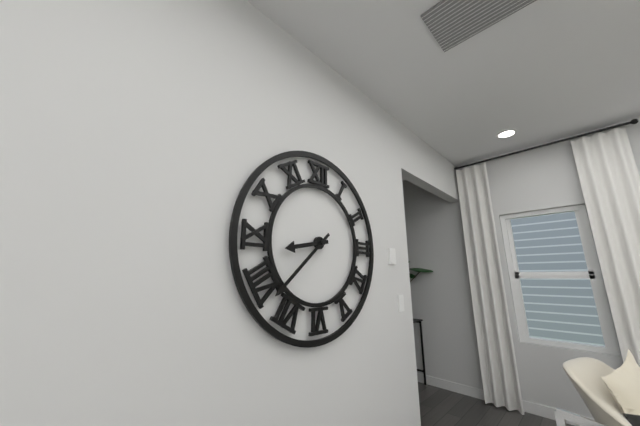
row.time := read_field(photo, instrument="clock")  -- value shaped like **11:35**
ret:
**8:38**
